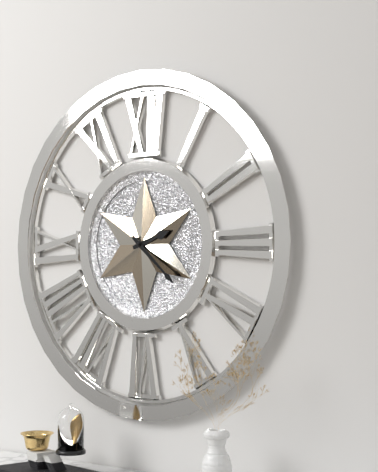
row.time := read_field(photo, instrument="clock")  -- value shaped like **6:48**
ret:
**2:22**
